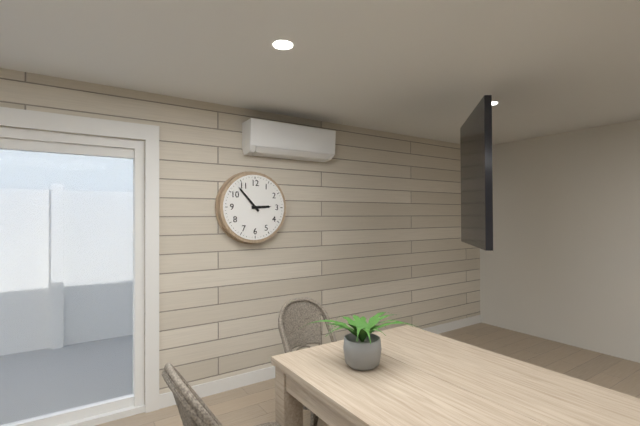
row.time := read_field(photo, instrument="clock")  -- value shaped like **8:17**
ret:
**2:53**
